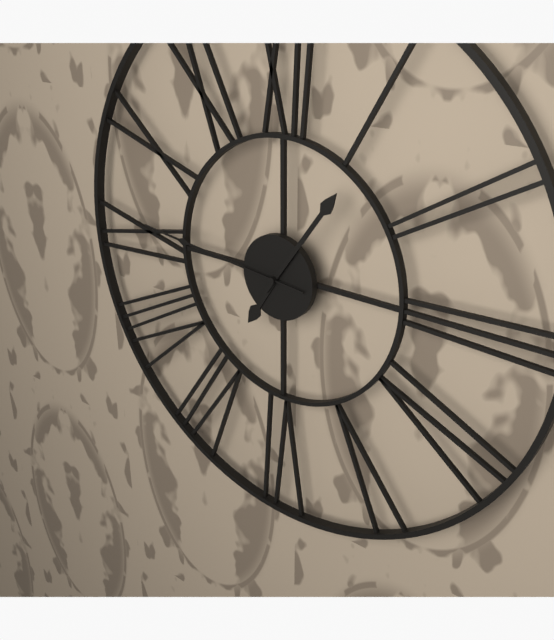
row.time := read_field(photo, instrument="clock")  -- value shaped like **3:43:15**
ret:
**7:06:46**
